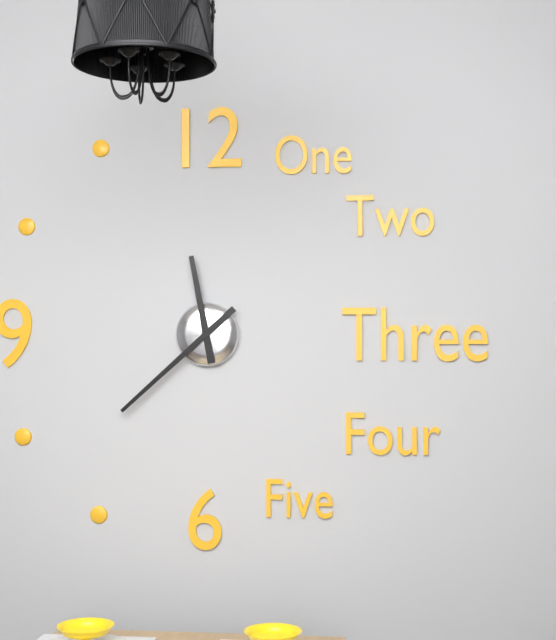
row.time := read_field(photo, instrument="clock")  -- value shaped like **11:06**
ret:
**11:38**
